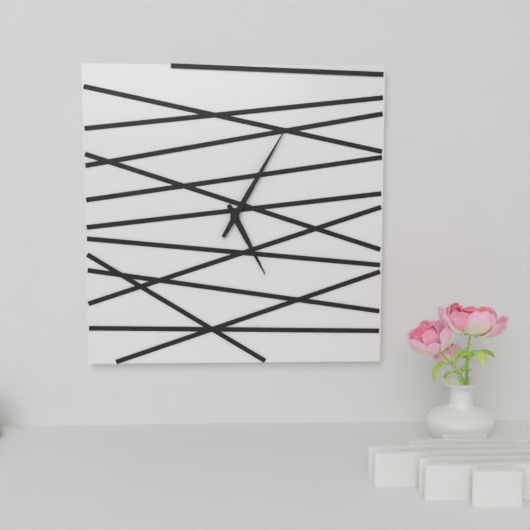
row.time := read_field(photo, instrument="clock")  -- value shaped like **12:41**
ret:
**5:05**
